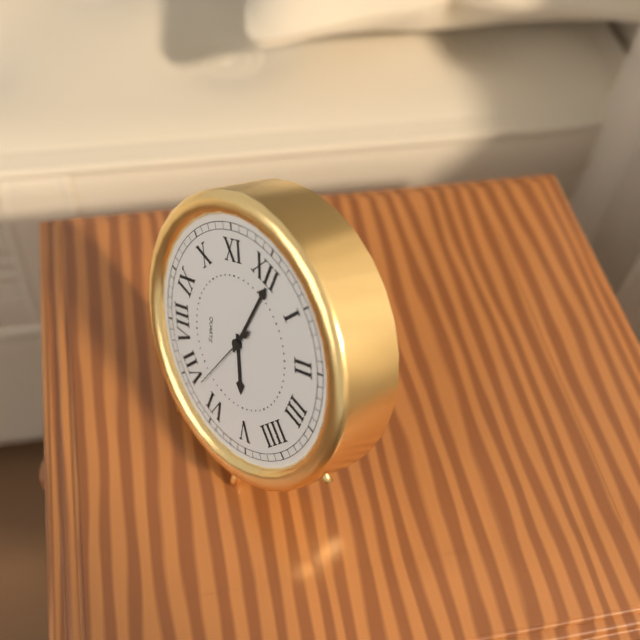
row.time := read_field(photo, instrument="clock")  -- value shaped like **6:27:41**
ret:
**5:01:33**
